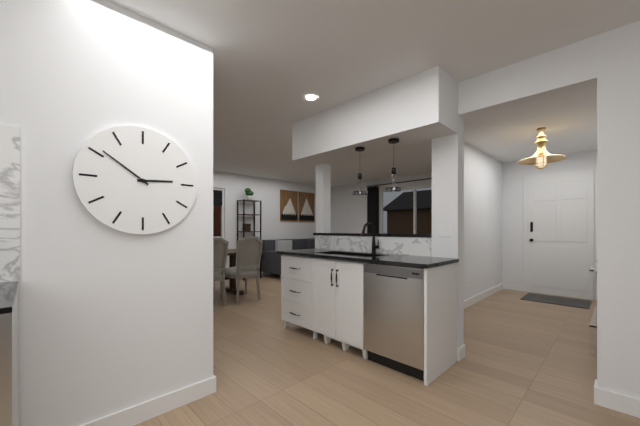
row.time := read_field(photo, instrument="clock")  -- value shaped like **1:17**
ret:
**2:51**
